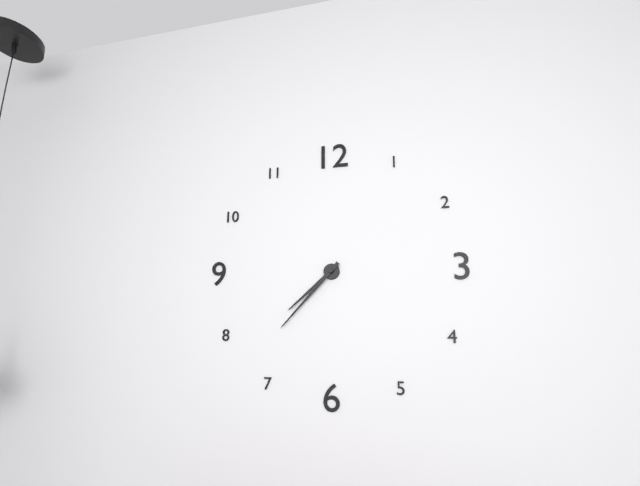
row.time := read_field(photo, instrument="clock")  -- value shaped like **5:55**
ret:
**7:37**
